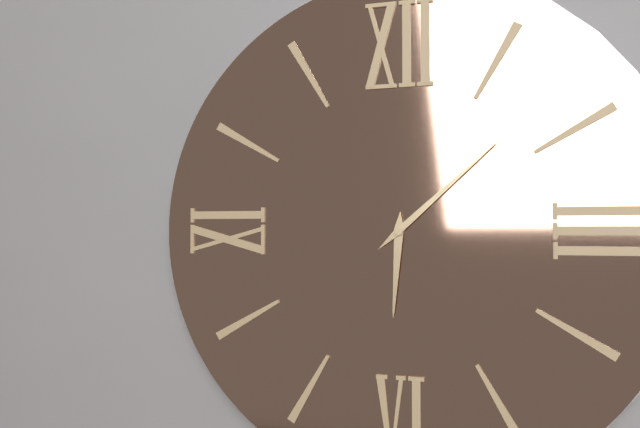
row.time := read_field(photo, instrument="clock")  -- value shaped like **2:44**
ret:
**6:08**
